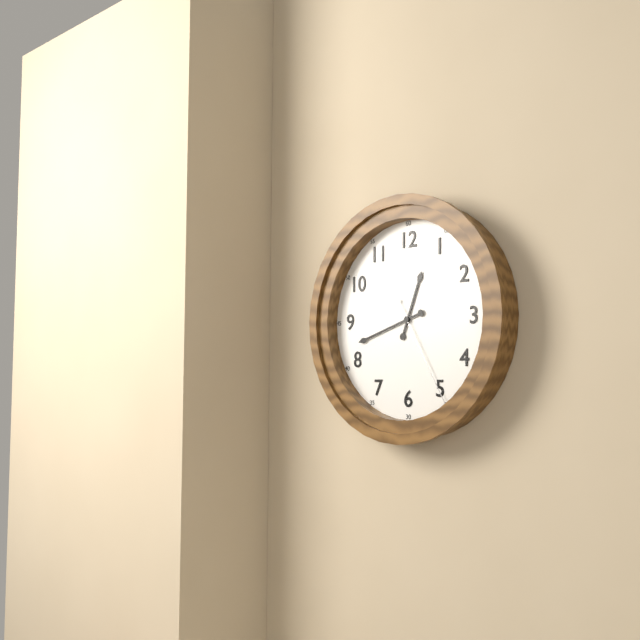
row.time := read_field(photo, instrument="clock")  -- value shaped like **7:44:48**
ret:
**12:42:25**
